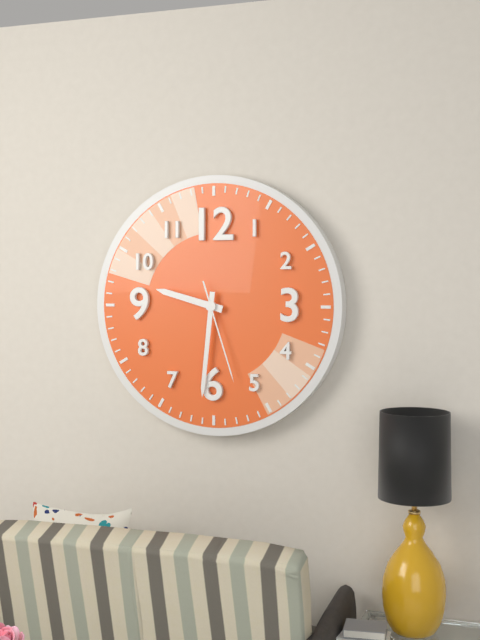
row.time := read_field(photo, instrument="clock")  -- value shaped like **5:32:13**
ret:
**9:31:27**
